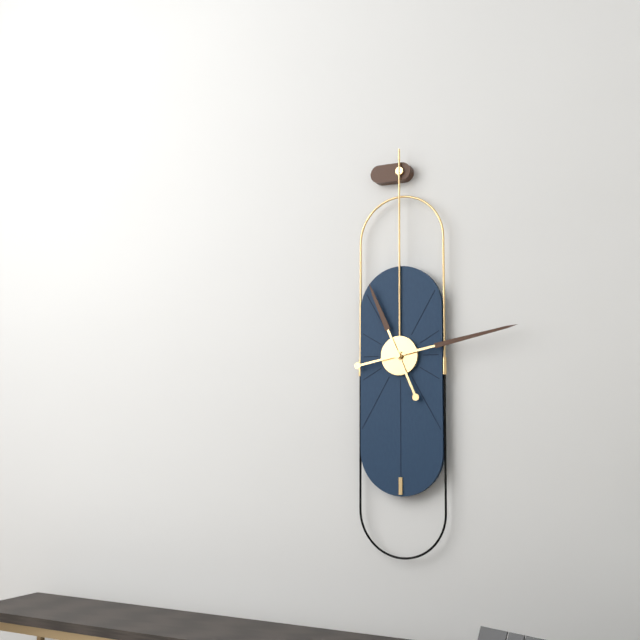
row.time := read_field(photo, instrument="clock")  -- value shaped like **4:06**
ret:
**11:13**
